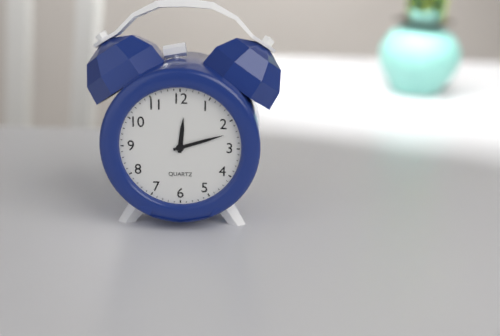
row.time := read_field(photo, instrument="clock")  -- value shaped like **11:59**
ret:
**12:12**
